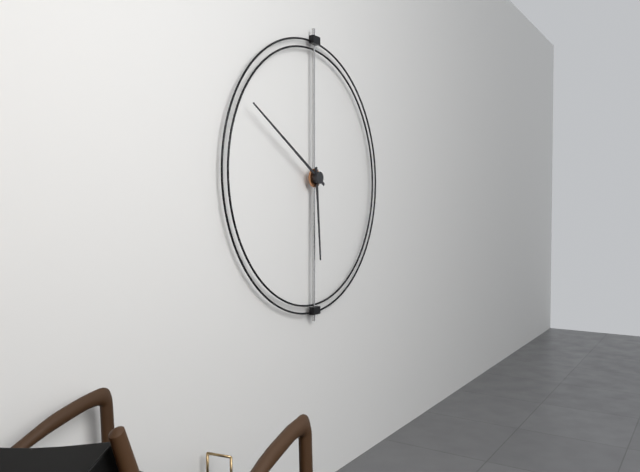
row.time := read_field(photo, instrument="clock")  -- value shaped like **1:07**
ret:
**5:50**
